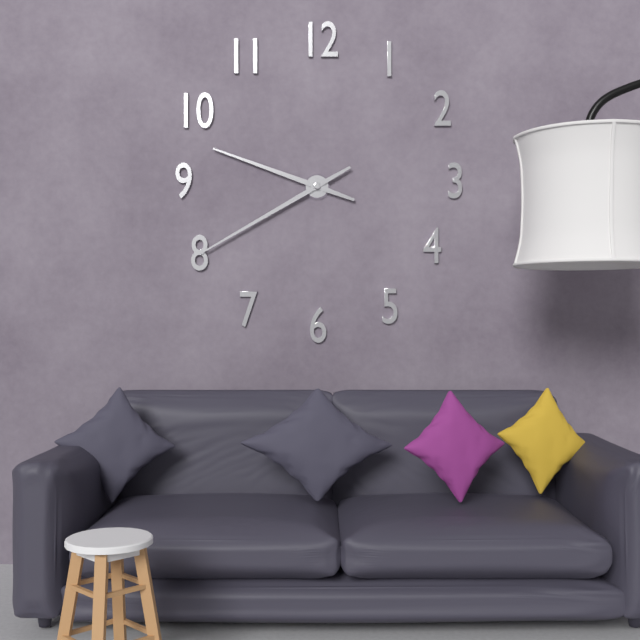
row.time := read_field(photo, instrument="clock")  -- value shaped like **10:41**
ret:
**9:40**
